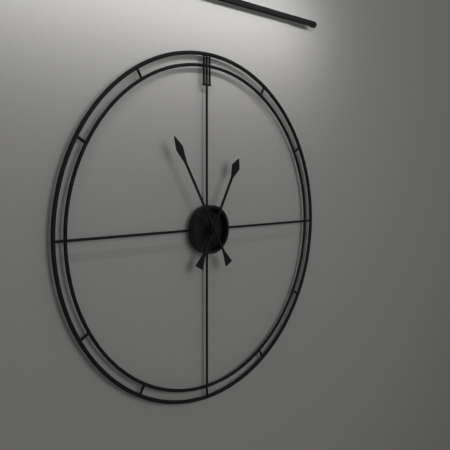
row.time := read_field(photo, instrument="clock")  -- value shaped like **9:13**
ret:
**12:55**
